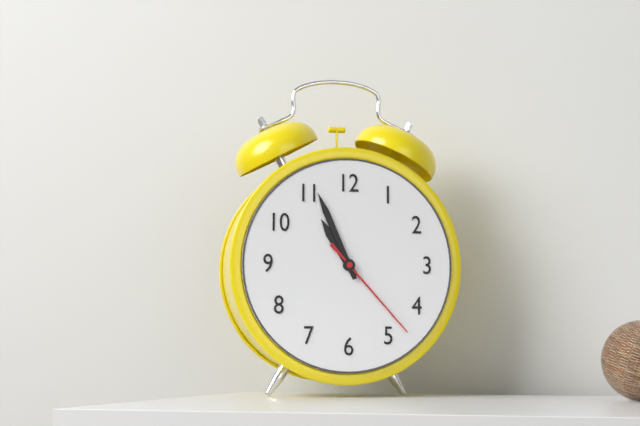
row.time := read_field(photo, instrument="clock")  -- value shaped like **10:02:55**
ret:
**10:56:23**
